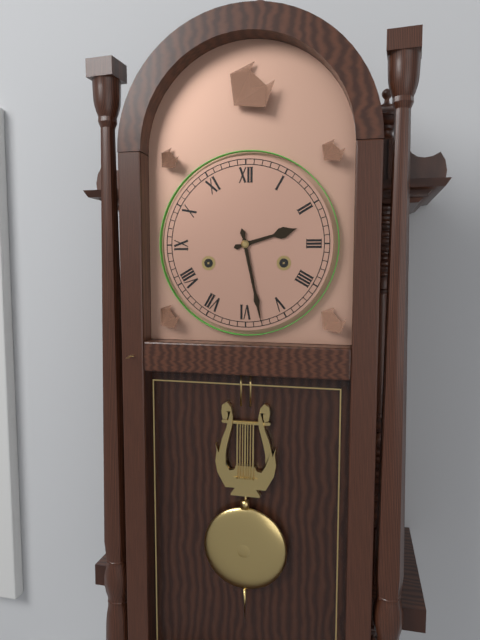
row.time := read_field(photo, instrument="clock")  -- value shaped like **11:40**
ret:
**2:28**
